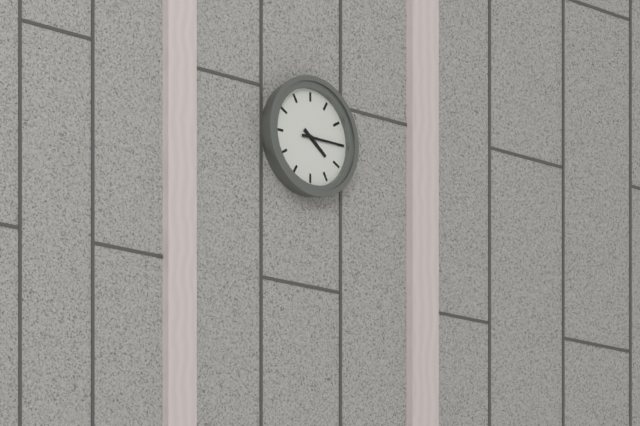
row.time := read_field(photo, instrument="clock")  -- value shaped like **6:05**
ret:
**4:15**
